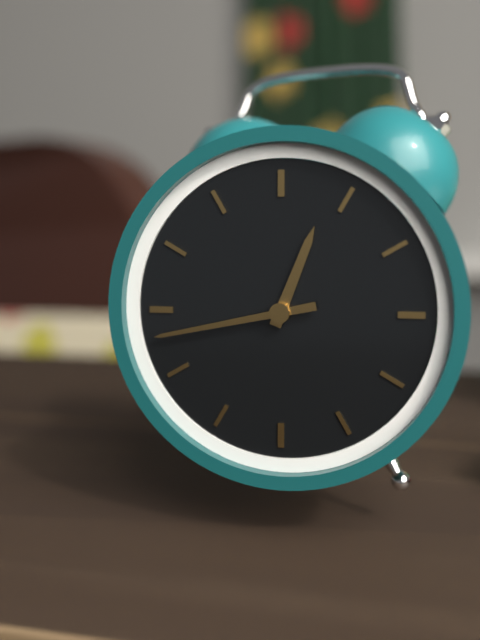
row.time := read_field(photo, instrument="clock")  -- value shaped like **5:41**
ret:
**12:43**
